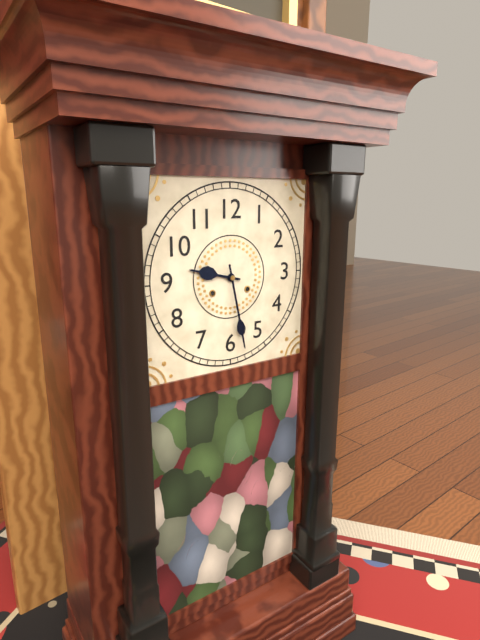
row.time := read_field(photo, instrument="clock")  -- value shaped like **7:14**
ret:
**9:28**
